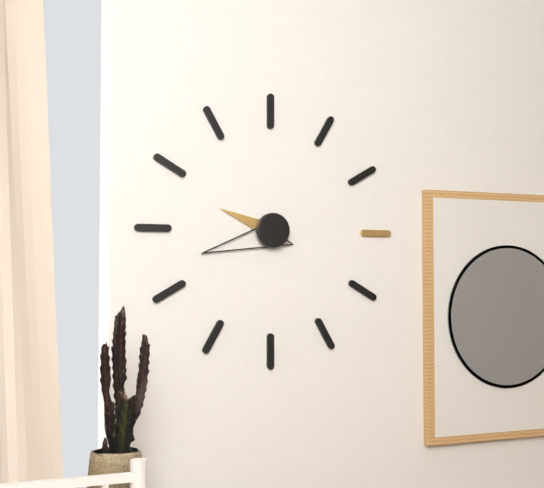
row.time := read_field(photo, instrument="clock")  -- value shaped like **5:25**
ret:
**9:42**
